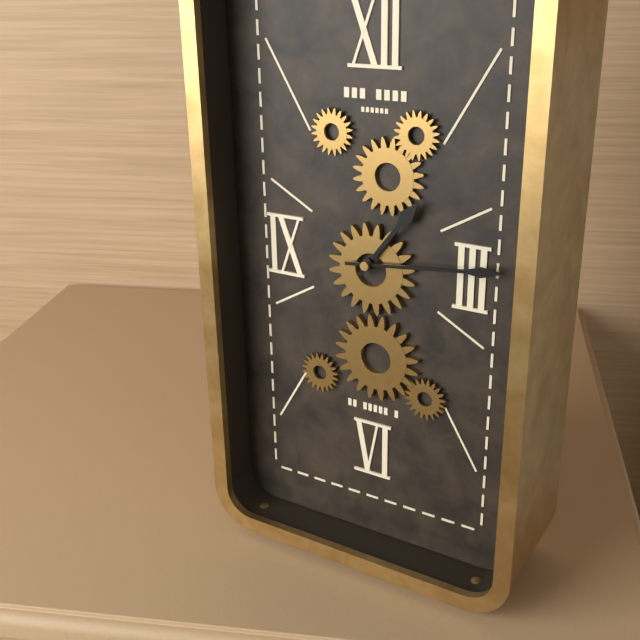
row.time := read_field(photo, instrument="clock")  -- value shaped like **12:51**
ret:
**1:14**
